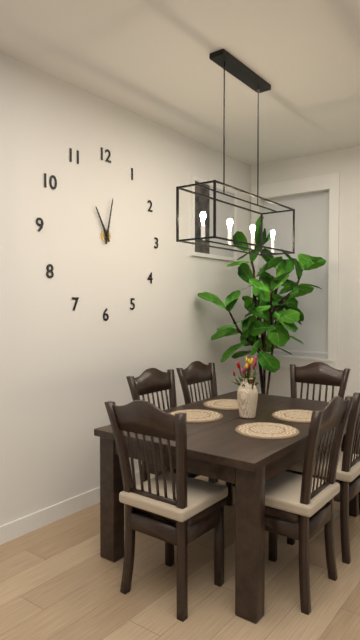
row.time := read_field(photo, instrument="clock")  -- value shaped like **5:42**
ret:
**11:02**
